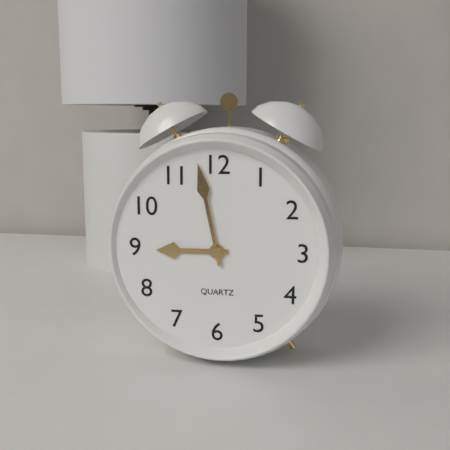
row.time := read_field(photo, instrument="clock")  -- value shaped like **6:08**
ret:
**8:58**
